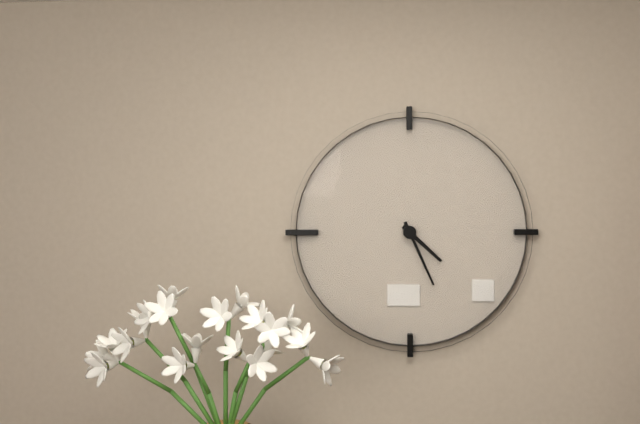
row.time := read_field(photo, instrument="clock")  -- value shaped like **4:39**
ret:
**4:26**
